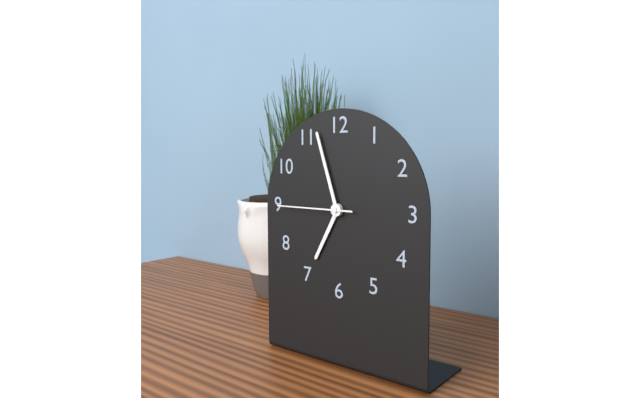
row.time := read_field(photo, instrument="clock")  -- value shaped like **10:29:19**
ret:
**6:57:45**
